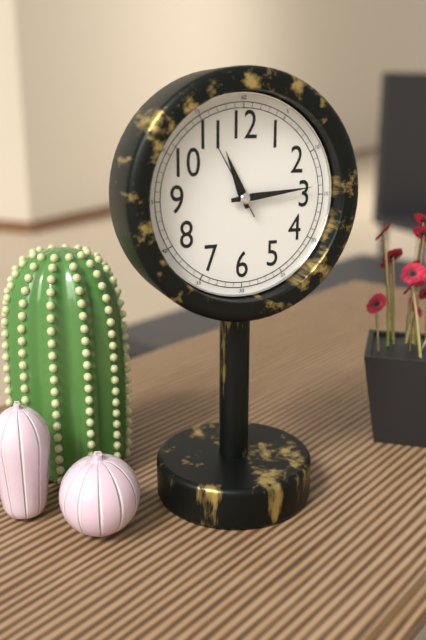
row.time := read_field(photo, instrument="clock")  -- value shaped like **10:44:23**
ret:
**11:14:55**
